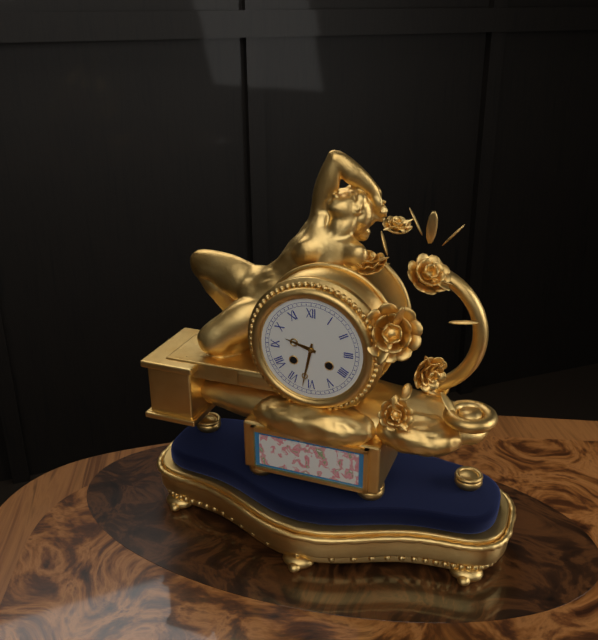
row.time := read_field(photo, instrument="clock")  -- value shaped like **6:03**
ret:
**9:32**
